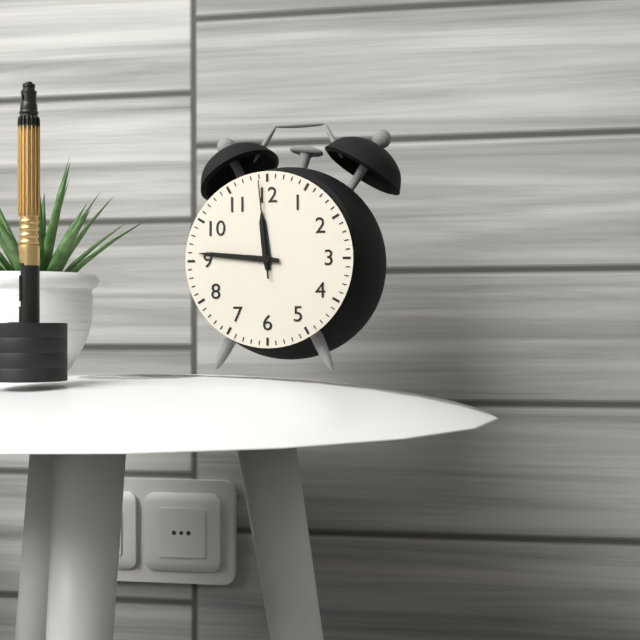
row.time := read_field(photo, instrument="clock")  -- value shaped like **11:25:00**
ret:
**11:46:59**
